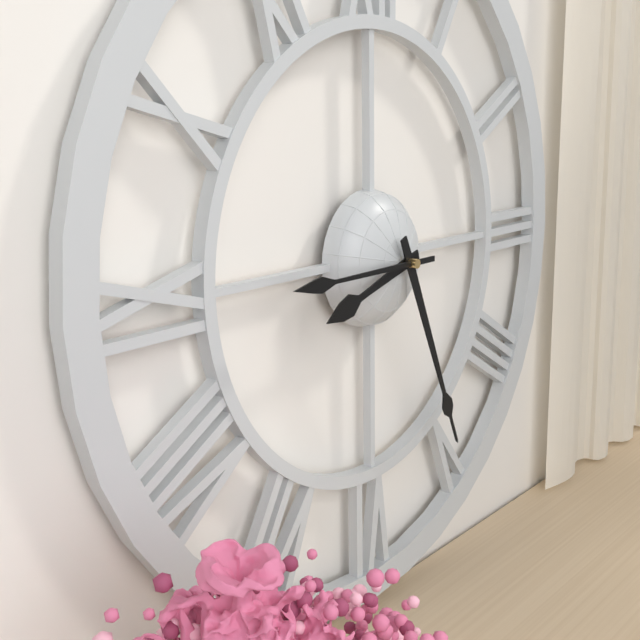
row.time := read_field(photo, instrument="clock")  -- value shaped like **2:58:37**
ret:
**8:26:45**
